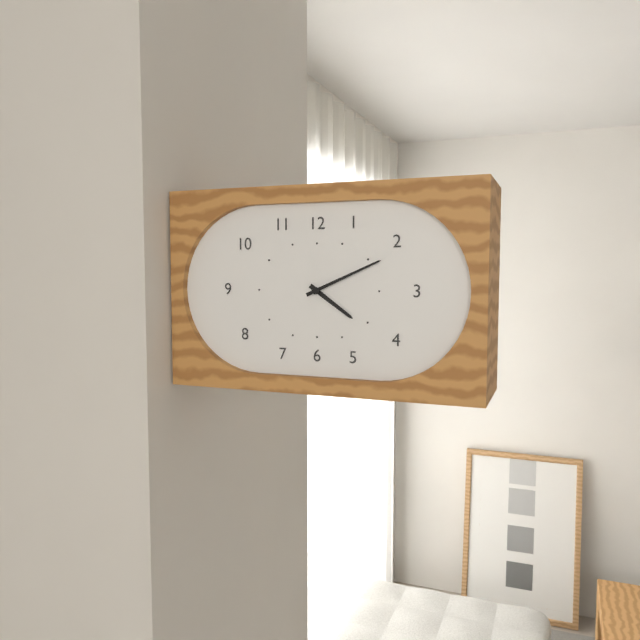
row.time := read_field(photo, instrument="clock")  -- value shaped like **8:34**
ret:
**4:11**
